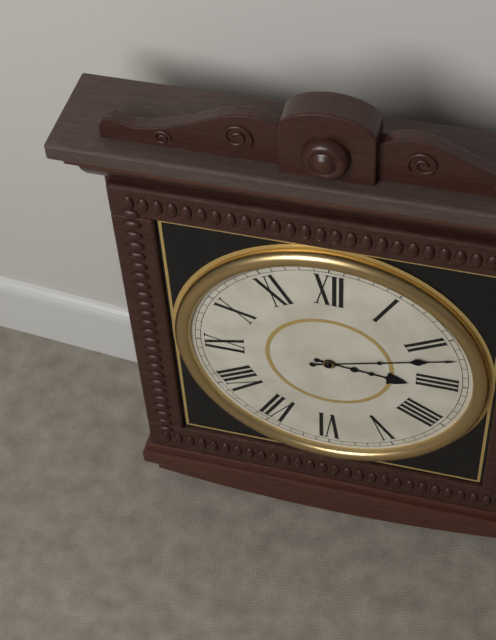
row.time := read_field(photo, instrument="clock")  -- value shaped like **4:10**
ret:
**3:12**
